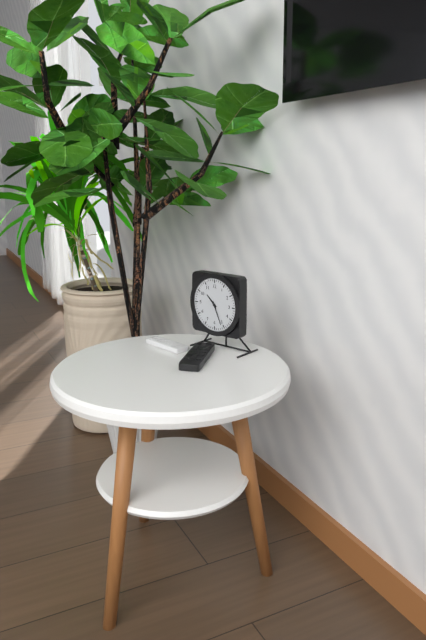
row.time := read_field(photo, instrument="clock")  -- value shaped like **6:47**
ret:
**10:26**
